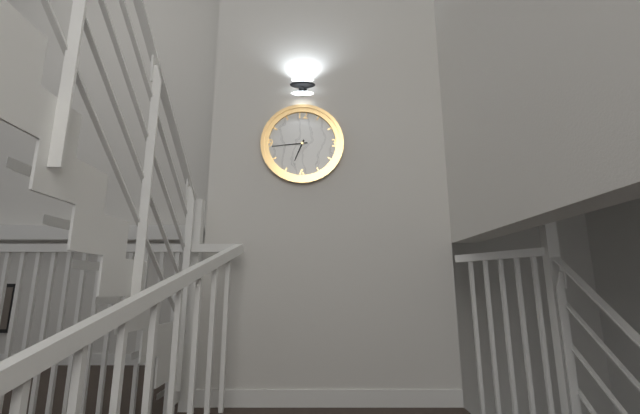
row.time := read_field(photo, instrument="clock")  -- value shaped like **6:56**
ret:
**6:44**
